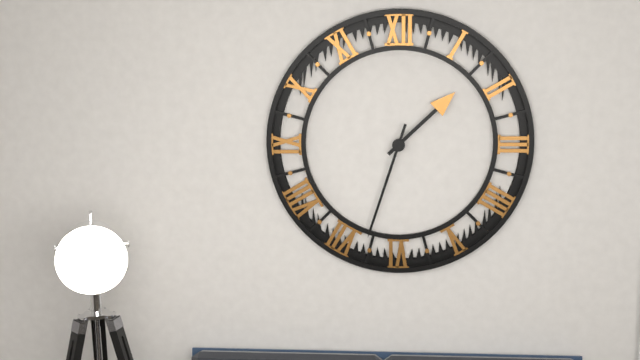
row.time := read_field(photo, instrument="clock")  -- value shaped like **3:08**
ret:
**1:33**
